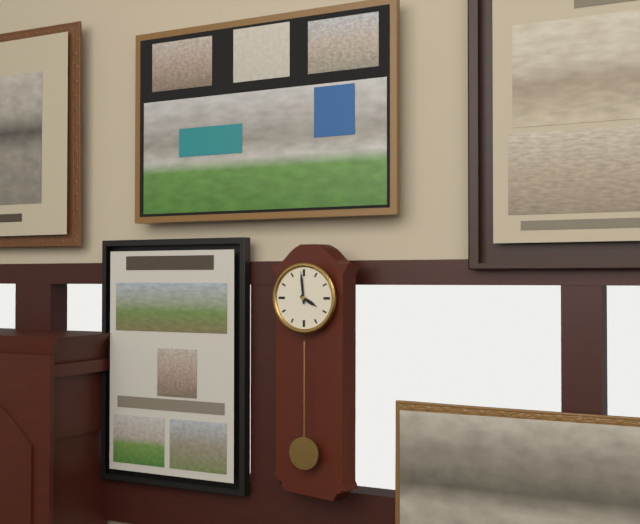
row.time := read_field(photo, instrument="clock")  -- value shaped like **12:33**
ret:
**3:59**
